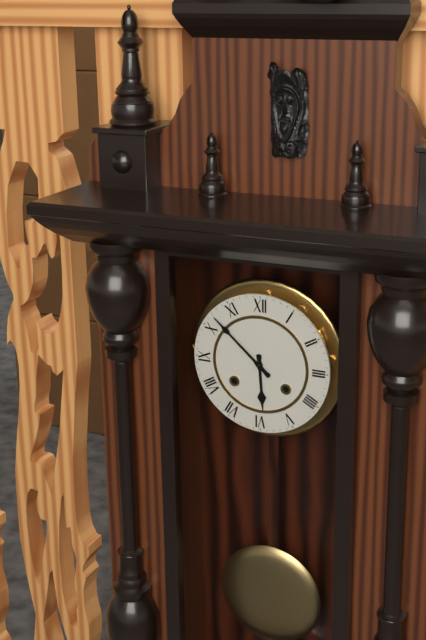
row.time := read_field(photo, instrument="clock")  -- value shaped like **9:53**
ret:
**5:52**
